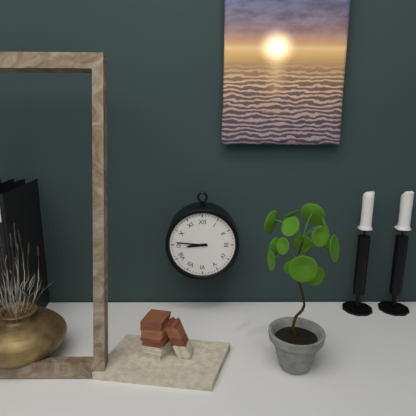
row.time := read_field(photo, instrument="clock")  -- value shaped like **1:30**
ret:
**8:46**
